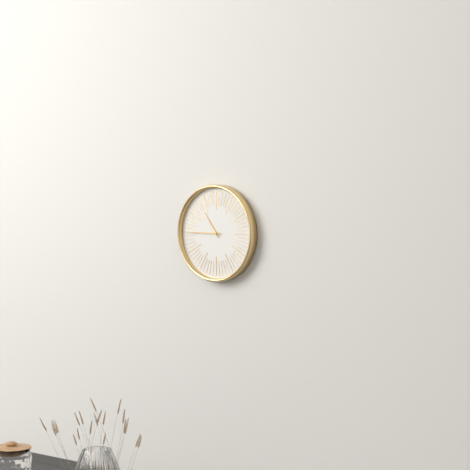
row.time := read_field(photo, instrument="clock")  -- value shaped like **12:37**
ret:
**10:45**
